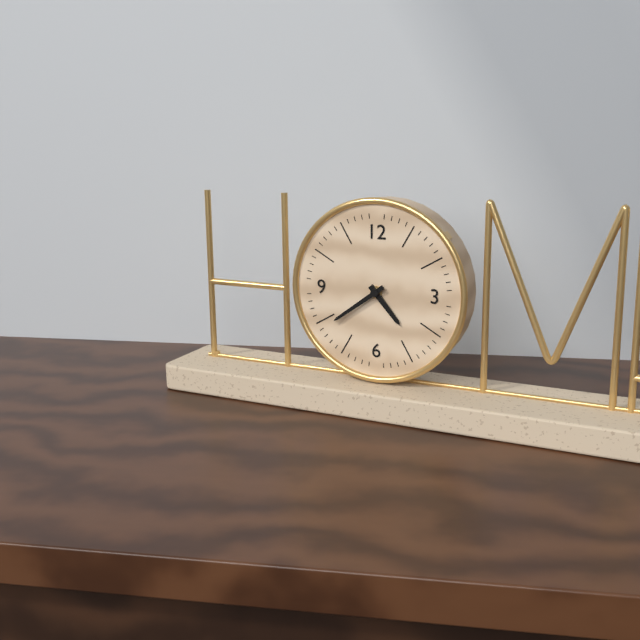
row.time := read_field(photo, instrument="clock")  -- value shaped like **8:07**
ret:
**4:39**
